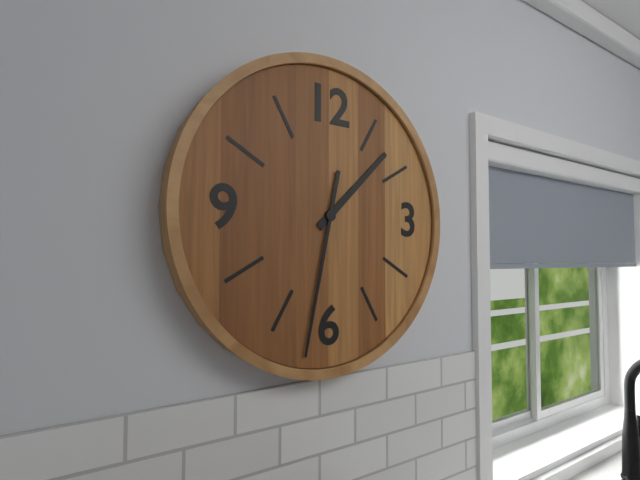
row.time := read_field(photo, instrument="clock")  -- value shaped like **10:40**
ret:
**1:32**
